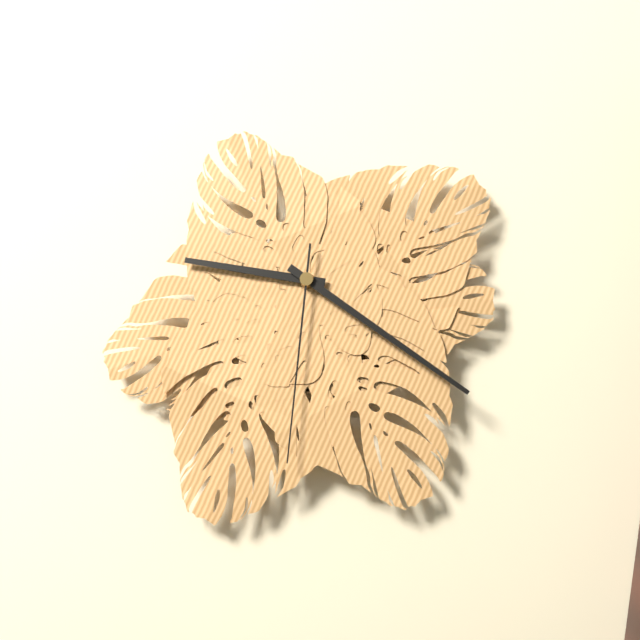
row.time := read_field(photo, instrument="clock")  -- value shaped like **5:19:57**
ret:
**9:21:31**
